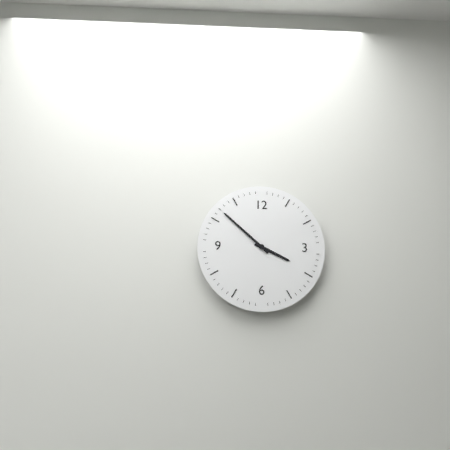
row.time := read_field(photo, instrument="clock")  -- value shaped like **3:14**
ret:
**3:52**
